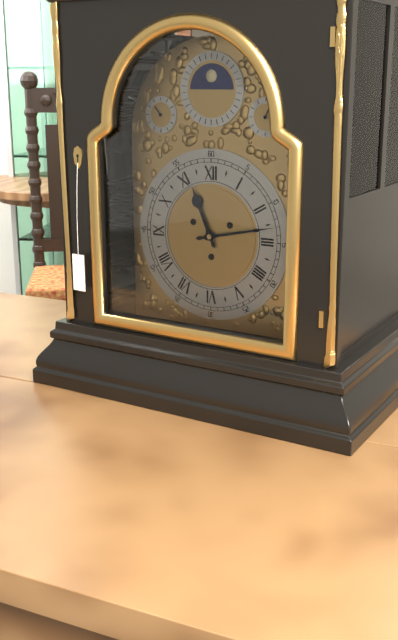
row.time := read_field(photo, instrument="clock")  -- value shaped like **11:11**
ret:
**11:13**
